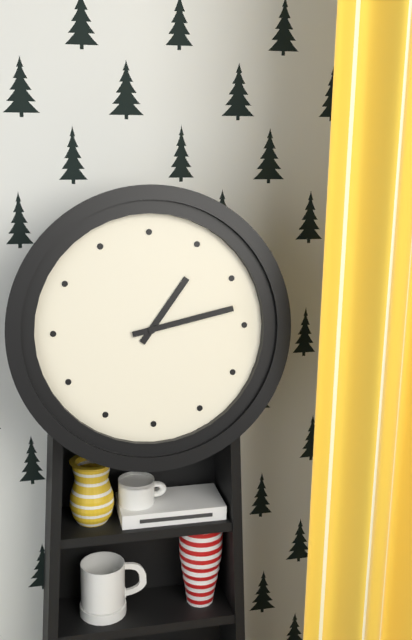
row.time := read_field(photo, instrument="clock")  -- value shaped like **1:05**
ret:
**1:13**
